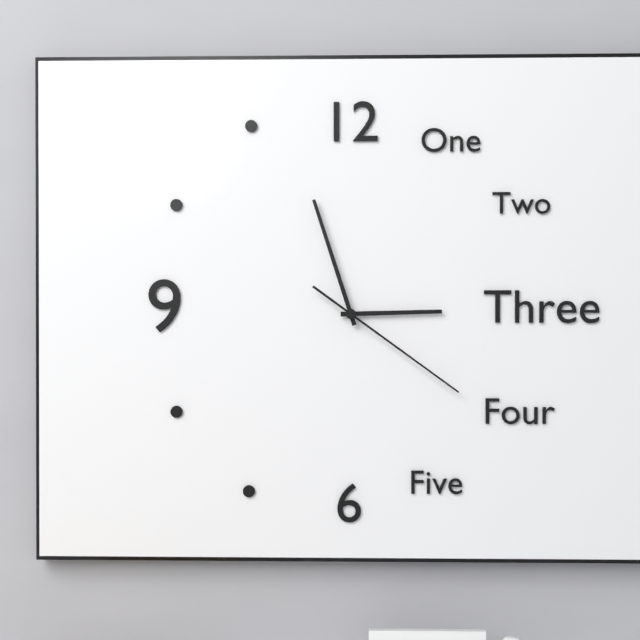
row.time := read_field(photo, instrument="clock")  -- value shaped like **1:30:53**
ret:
**2:57:21**
